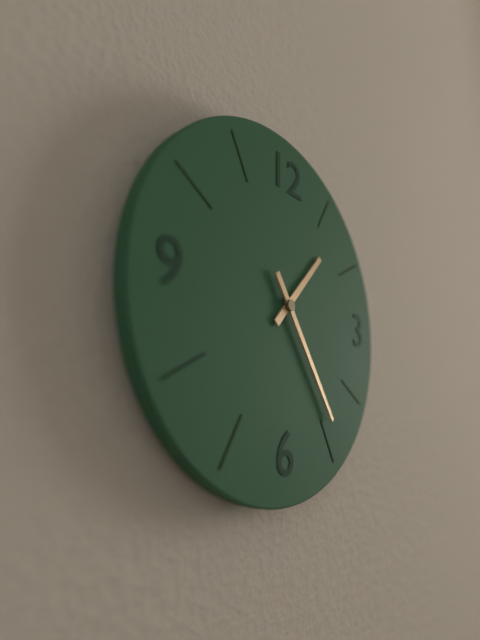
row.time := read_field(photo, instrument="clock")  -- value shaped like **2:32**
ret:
**1:24**
